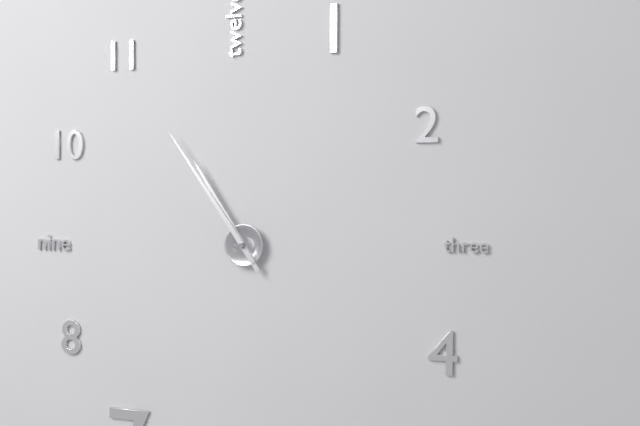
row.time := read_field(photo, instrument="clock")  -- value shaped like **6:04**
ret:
**10:54**
